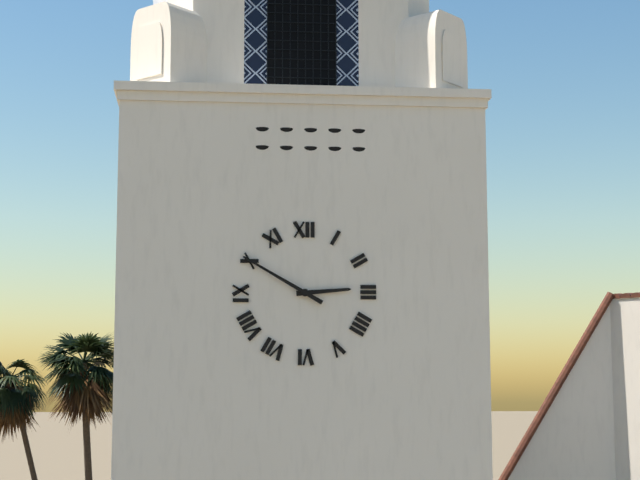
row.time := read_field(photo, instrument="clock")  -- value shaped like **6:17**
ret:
**2:50**
